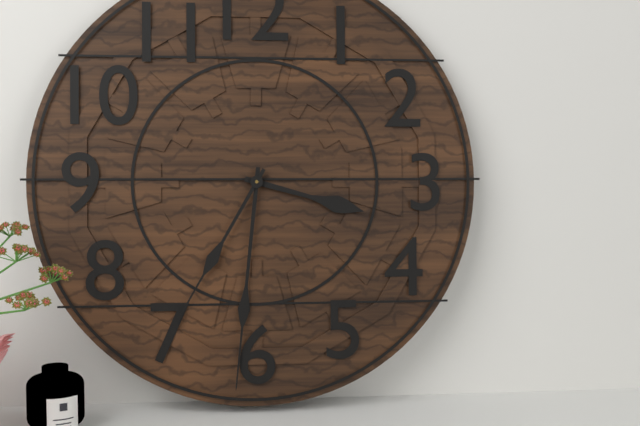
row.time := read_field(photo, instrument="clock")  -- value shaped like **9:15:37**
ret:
**3:31:35**
